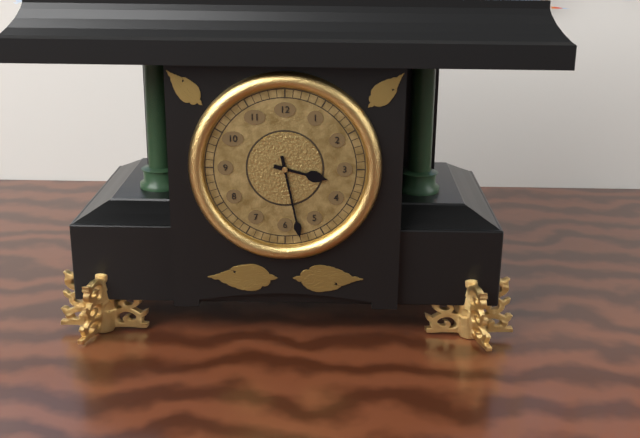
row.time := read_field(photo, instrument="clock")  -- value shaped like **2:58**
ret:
**3:28**
